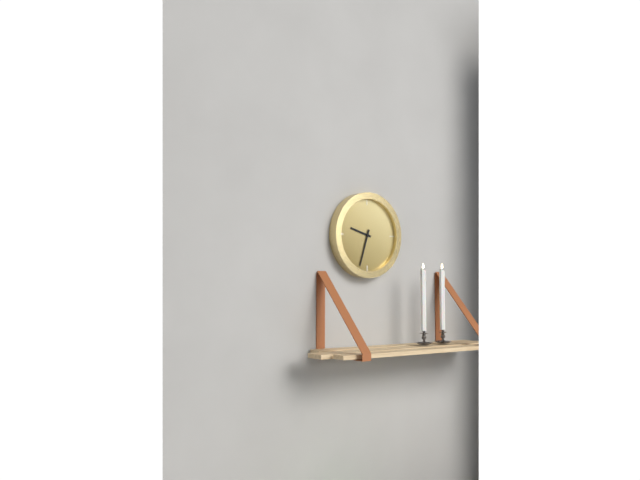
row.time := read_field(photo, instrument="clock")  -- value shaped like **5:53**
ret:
**9:33**
